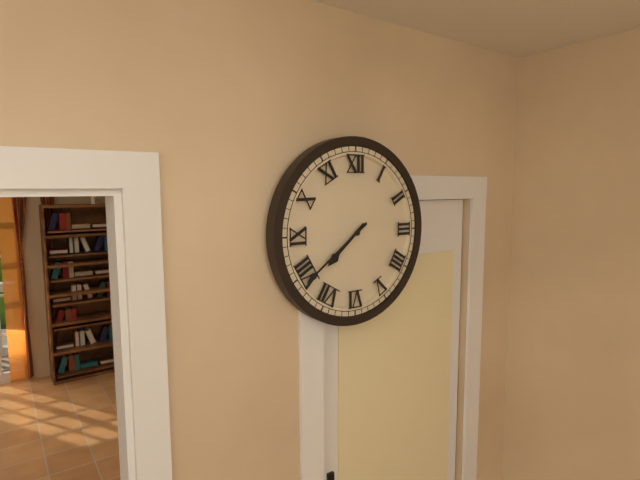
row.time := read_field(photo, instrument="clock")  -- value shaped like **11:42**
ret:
**7:39**
